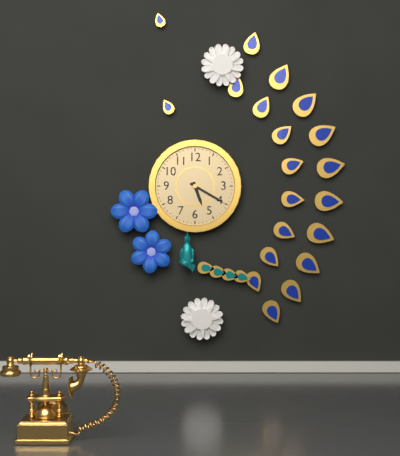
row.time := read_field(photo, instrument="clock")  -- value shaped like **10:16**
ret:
**5:20**
